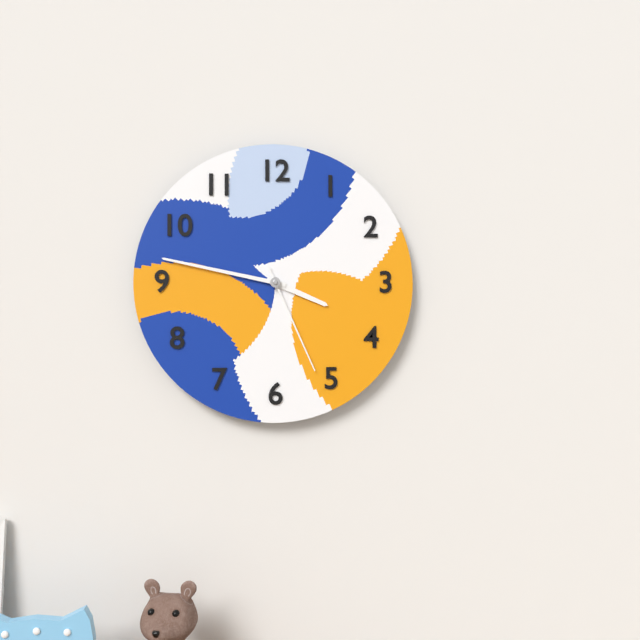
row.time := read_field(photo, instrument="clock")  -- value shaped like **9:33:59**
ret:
**3:47:26**
